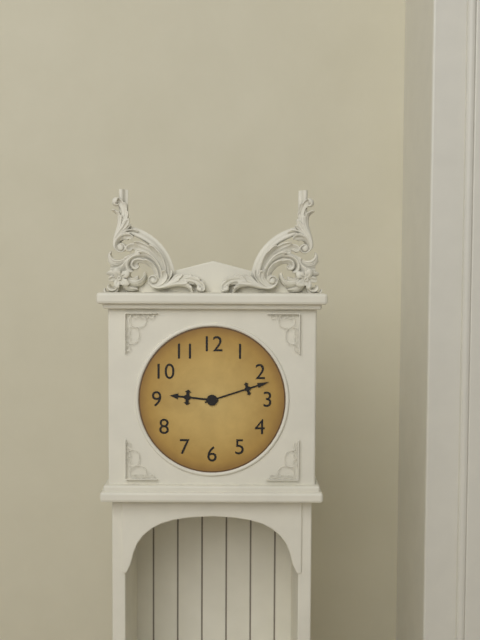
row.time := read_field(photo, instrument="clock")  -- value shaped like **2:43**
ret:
**9:12**
